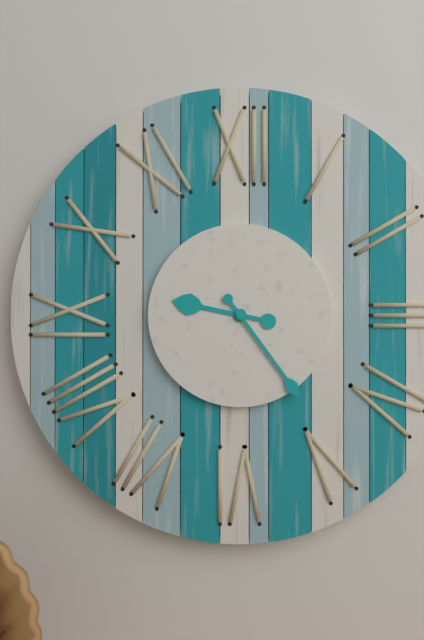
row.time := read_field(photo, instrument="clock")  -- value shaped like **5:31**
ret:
**9:24**
